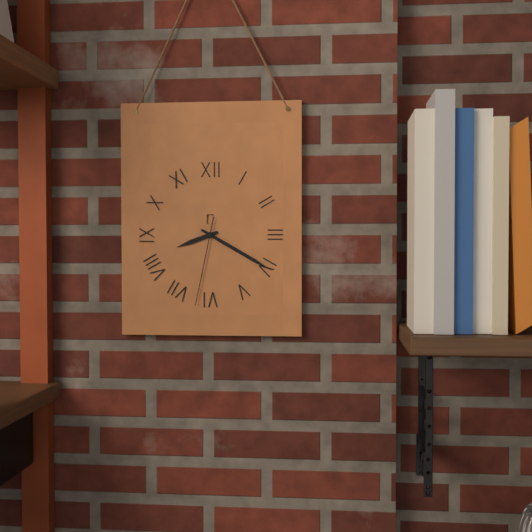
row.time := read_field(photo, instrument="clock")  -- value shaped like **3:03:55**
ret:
**8:20:32**
